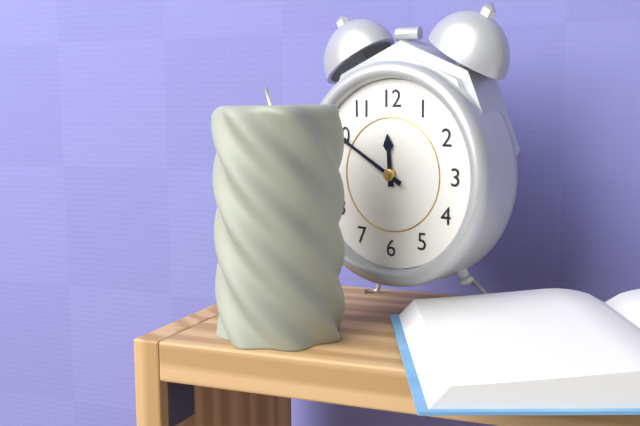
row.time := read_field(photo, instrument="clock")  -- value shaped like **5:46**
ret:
**11:50**
